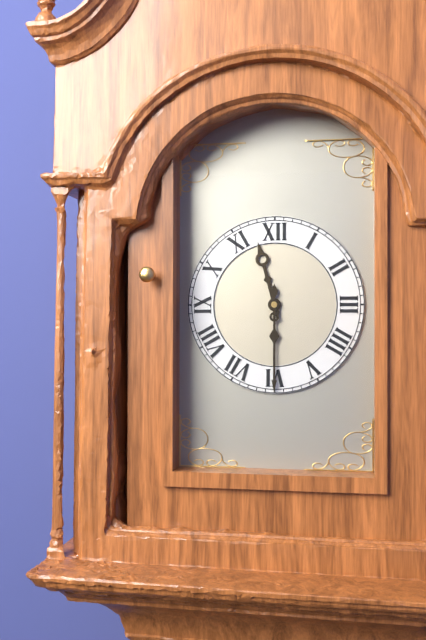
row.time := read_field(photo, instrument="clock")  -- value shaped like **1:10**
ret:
**11:30**
